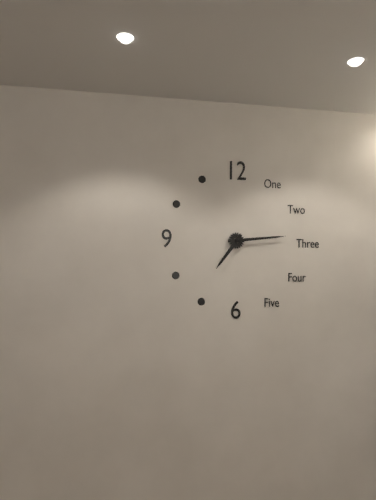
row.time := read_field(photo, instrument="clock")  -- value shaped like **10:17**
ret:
**7:14**
